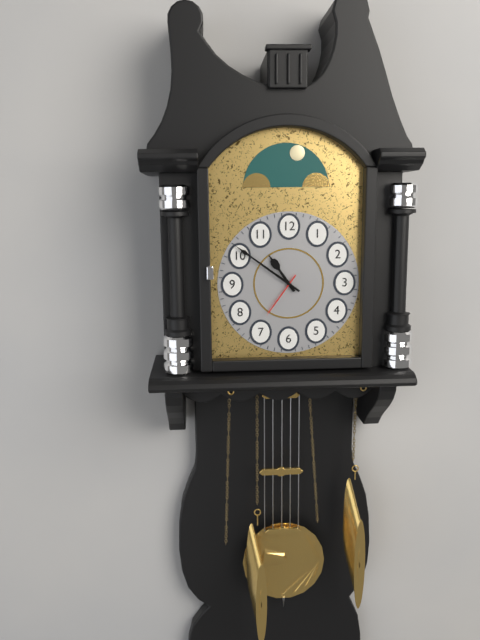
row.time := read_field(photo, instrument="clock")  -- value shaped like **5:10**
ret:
**10:51**
